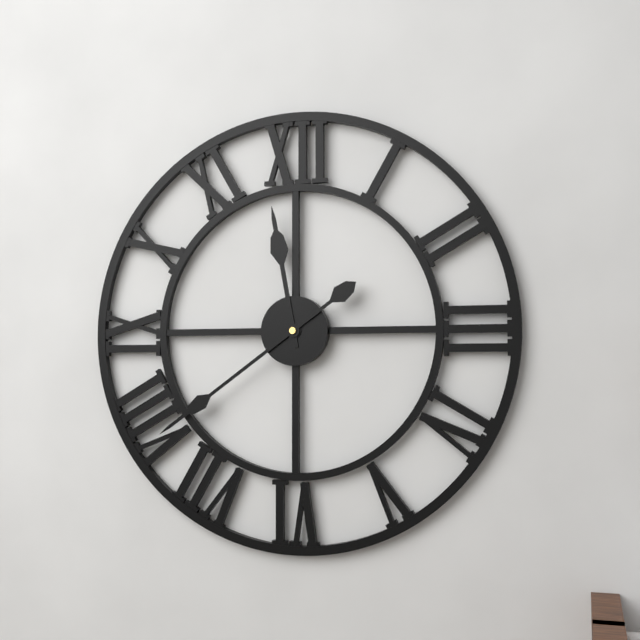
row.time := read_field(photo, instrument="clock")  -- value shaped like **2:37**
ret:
**11:39**
